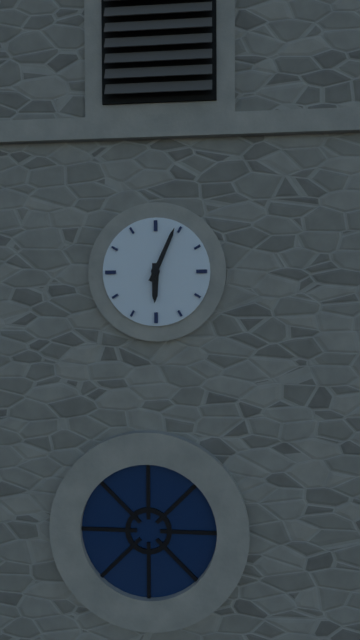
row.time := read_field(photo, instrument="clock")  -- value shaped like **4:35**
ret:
**6:04**
